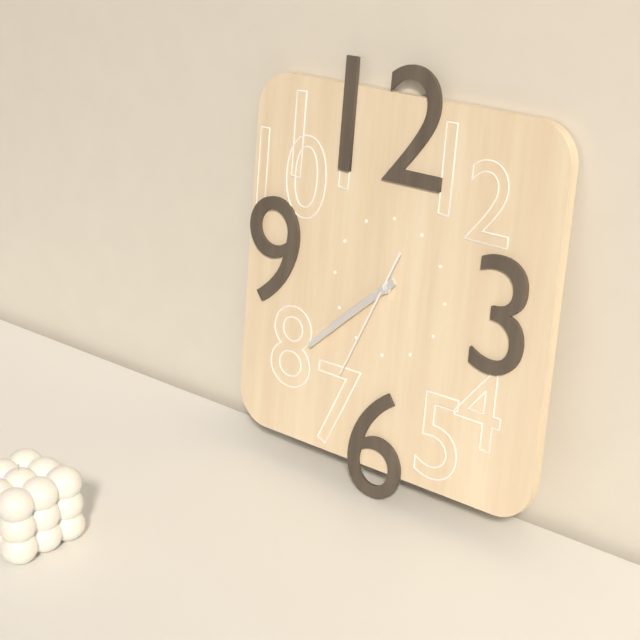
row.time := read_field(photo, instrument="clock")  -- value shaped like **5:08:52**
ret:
**7:38:34**
